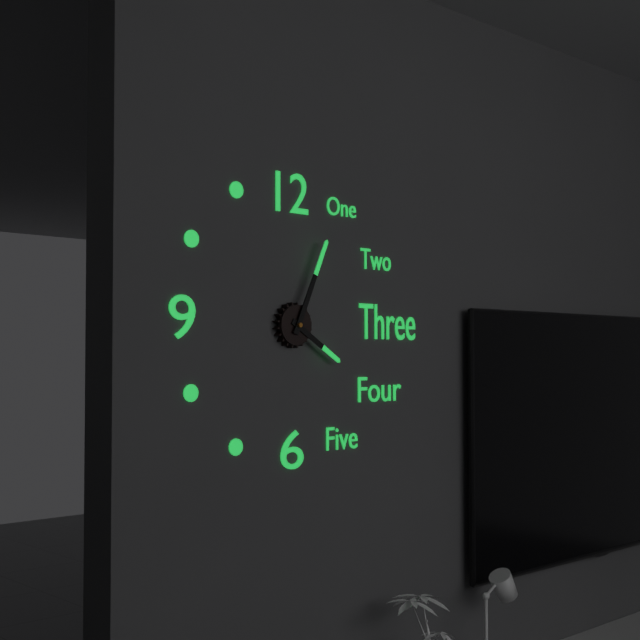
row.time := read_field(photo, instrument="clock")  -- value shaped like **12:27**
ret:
**4:04**
